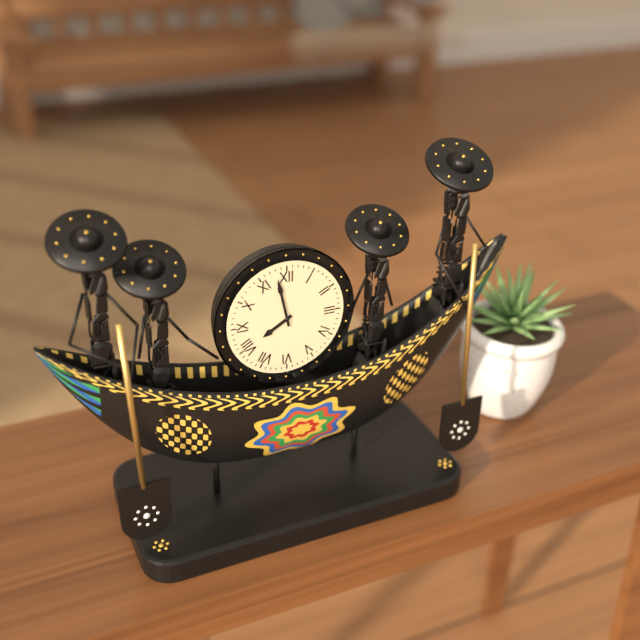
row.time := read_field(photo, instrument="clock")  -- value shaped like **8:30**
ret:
**7:58**
